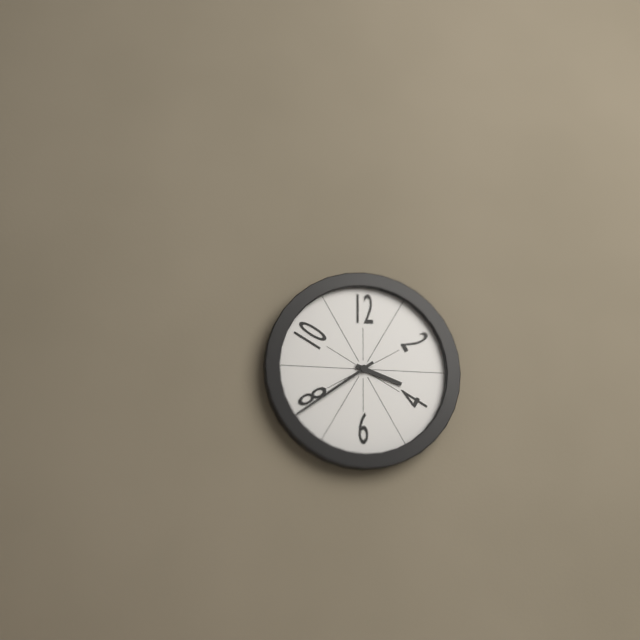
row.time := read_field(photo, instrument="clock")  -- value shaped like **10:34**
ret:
**3:39**
